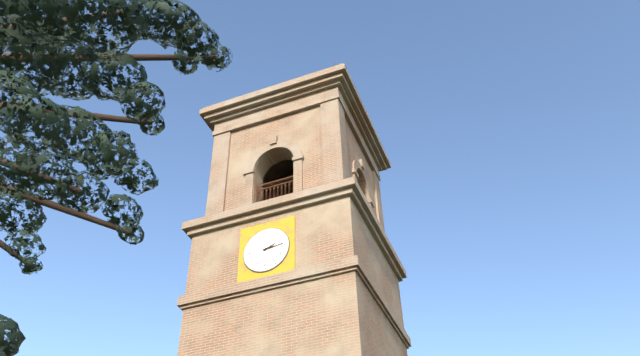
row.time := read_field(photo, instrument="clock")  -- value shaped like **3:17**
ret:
**2:14**
